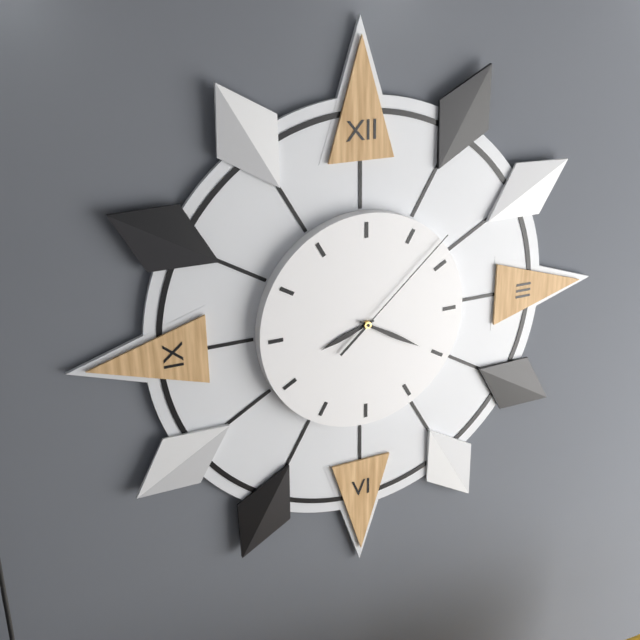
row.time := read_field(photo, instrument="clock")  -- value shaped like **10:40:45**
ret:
**8:20:08**
